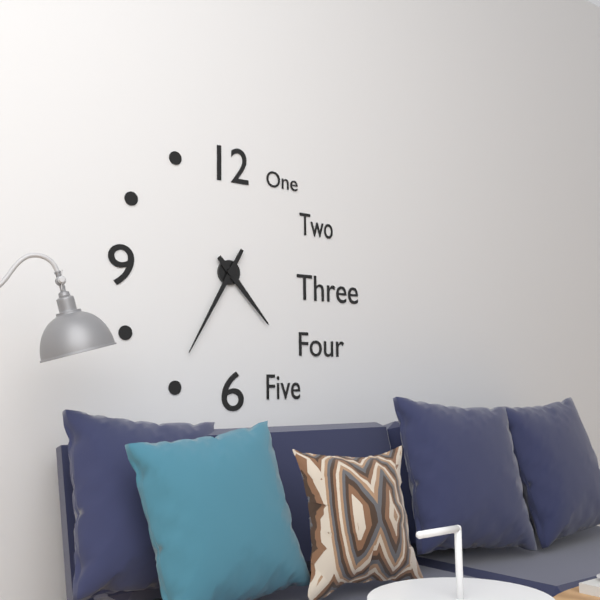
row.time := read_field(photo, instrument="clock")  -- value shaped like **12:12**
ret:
**4:35**
